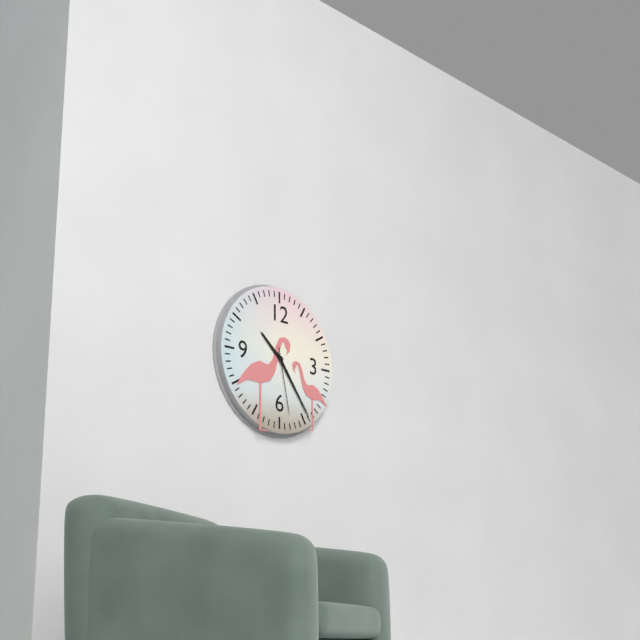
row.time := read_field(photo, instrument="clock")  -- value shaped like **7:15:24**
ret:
**10:24:28**
